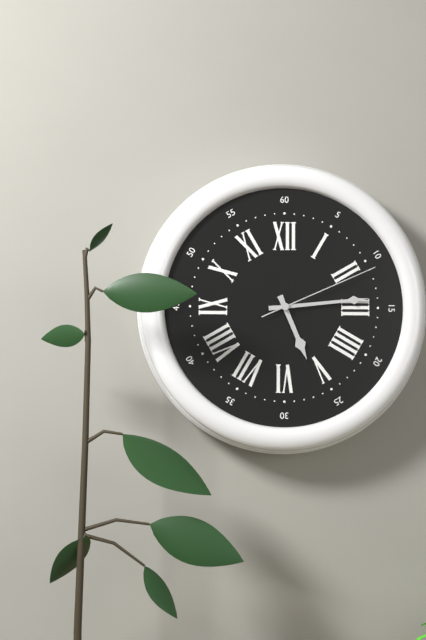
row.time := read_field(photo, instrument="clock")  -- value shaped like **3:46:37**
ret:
**5:14:11**
